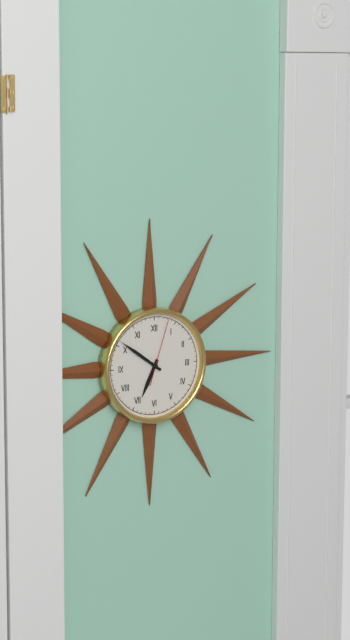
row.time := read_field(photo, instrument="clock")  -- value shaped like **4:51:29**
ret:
**6:51:03**
